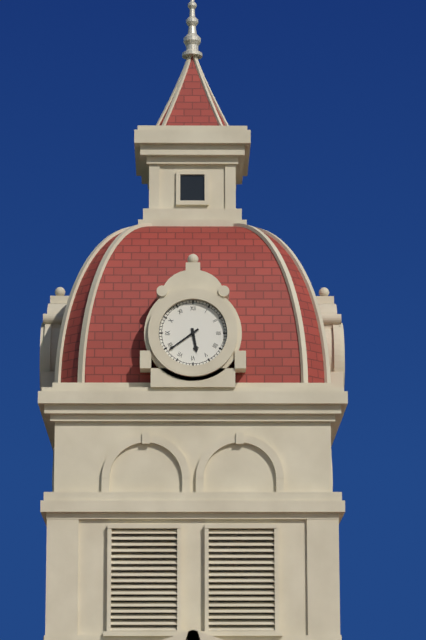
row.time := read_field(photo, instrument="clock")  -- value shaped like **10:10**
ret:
**5:39**
